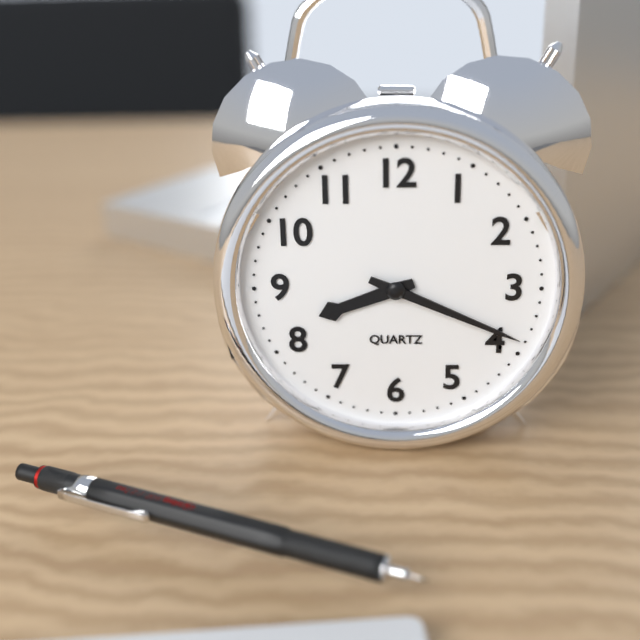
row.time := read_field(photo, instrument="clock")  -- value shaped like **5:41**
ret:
**8:19**
